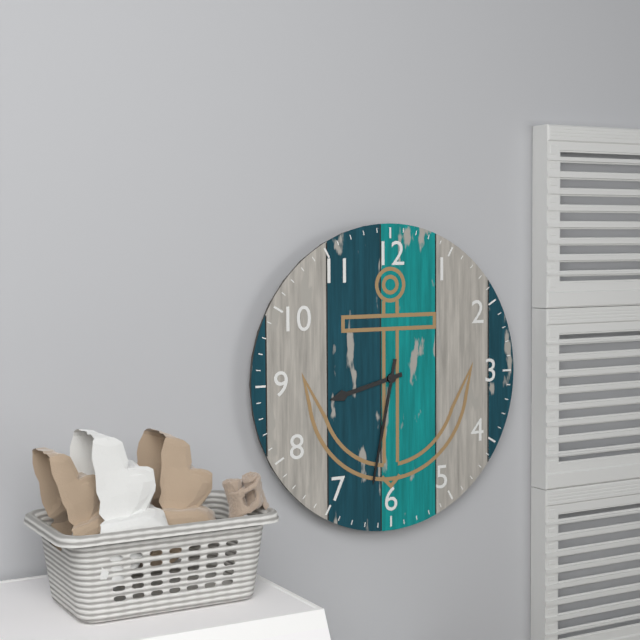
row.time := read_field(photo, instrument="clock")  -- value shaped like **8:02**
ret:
**8:32**
